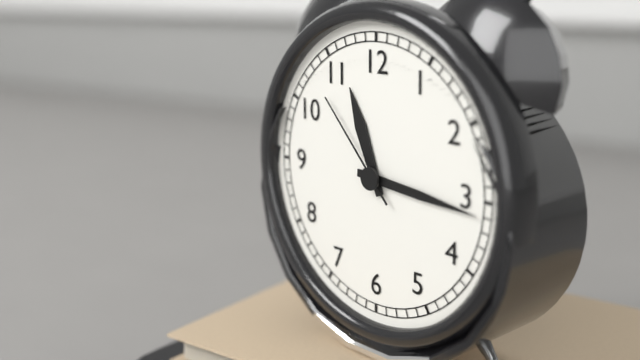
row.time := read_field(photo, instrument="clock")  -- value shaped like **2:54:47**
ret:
**11:16:53**
